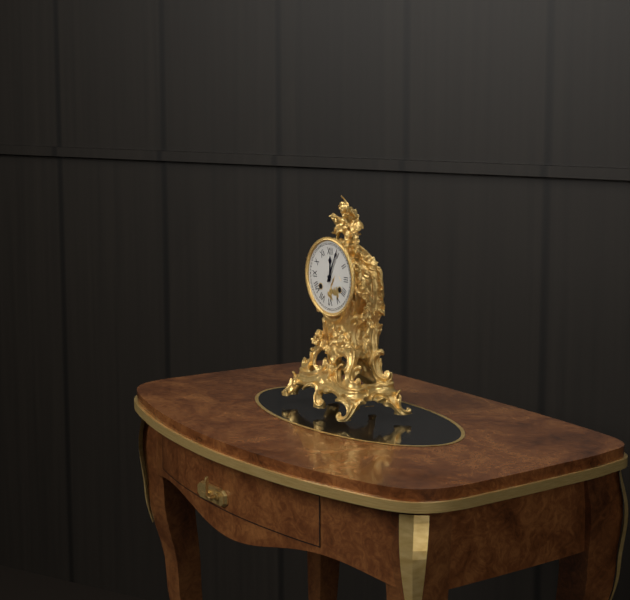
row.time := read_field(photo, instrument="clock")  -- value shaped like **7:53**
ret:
**12:04**
